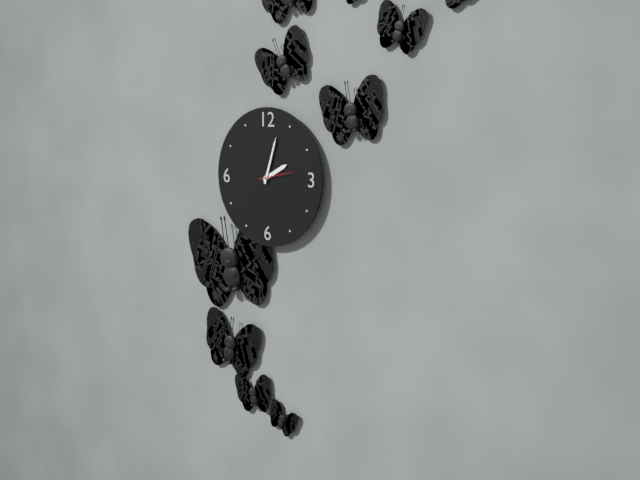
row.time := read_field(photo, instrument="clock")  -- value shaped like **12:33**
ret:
**2:03**
